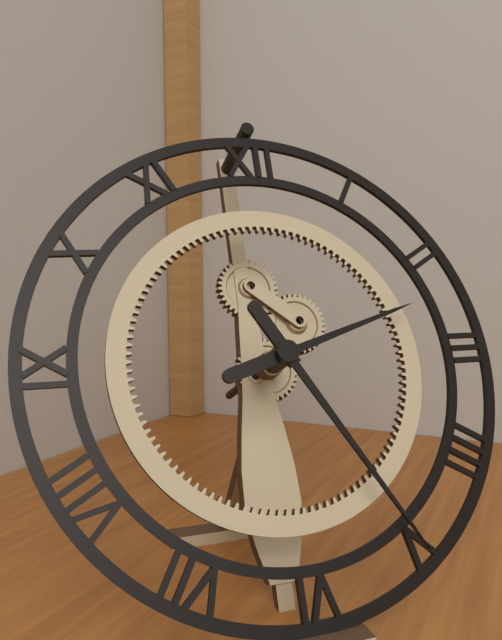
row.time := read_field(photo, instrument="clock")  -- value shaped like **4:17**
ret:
**2:25**
